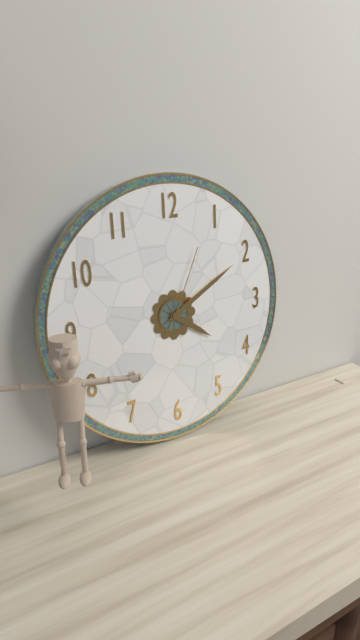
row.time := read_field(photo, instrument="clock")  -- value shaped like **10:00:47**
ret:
**4:10:04**
